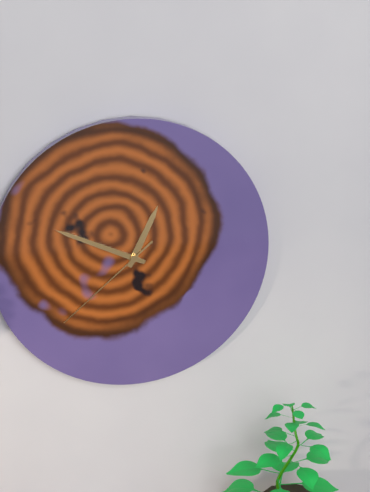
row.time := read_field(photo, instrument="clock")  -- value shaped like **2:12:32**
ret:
**12:49:38**
